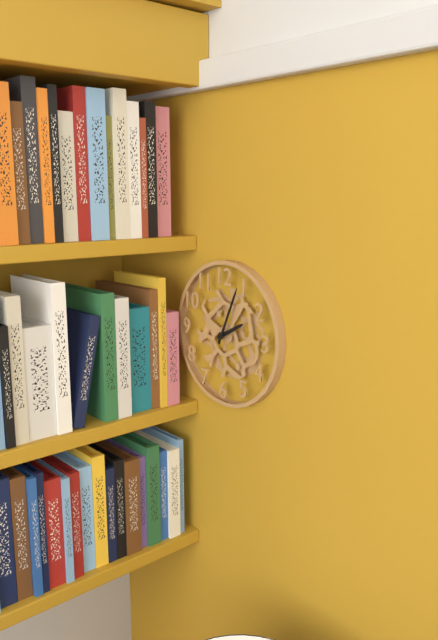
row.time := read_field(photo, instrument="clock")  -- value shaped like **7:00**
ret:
**2:04**
